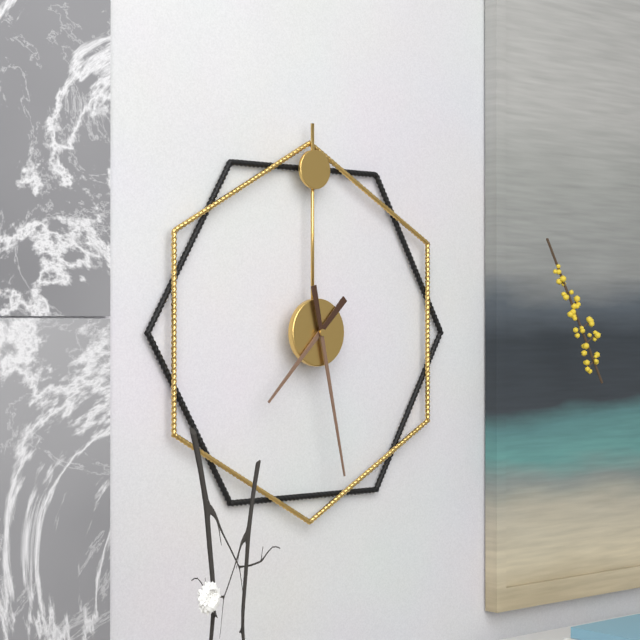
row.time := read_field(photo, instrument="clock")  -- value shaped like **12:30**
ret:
**7:28**
